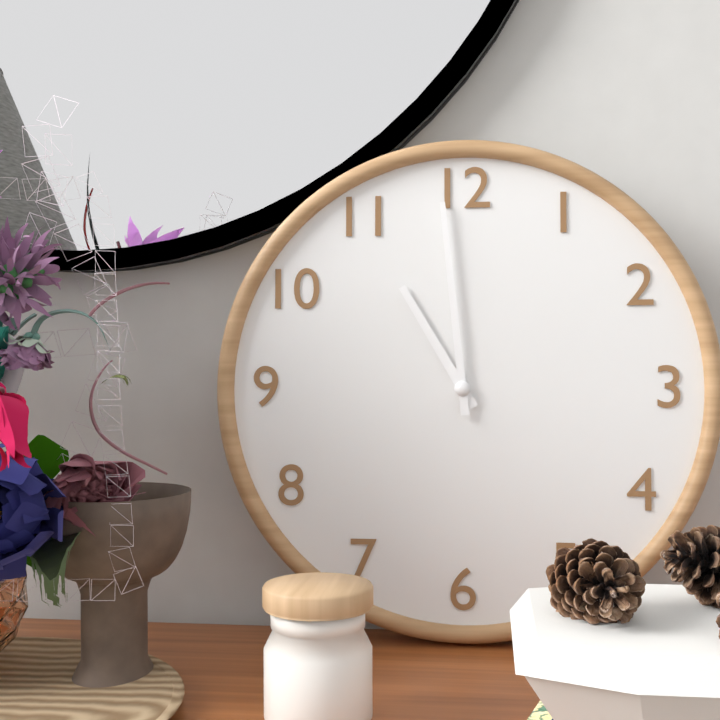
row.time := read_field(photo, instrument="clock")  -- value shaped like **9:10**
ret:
**10:59**
